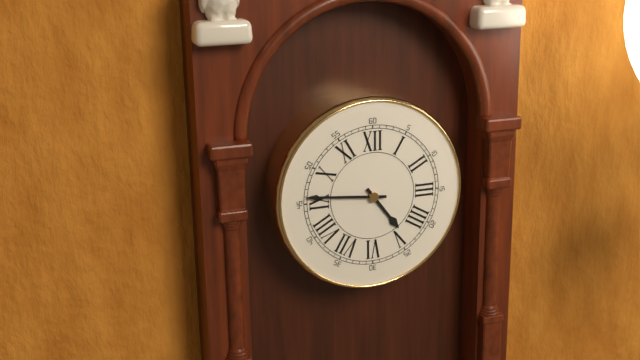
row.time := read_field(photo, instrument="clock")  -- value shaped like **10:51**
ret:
**4:46**
